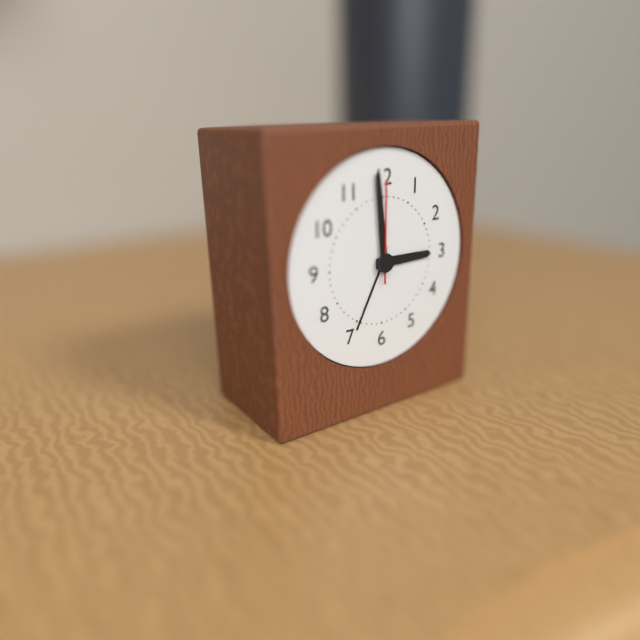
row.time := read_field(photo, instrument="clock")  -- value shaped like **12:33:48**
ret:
**2:59:00**
